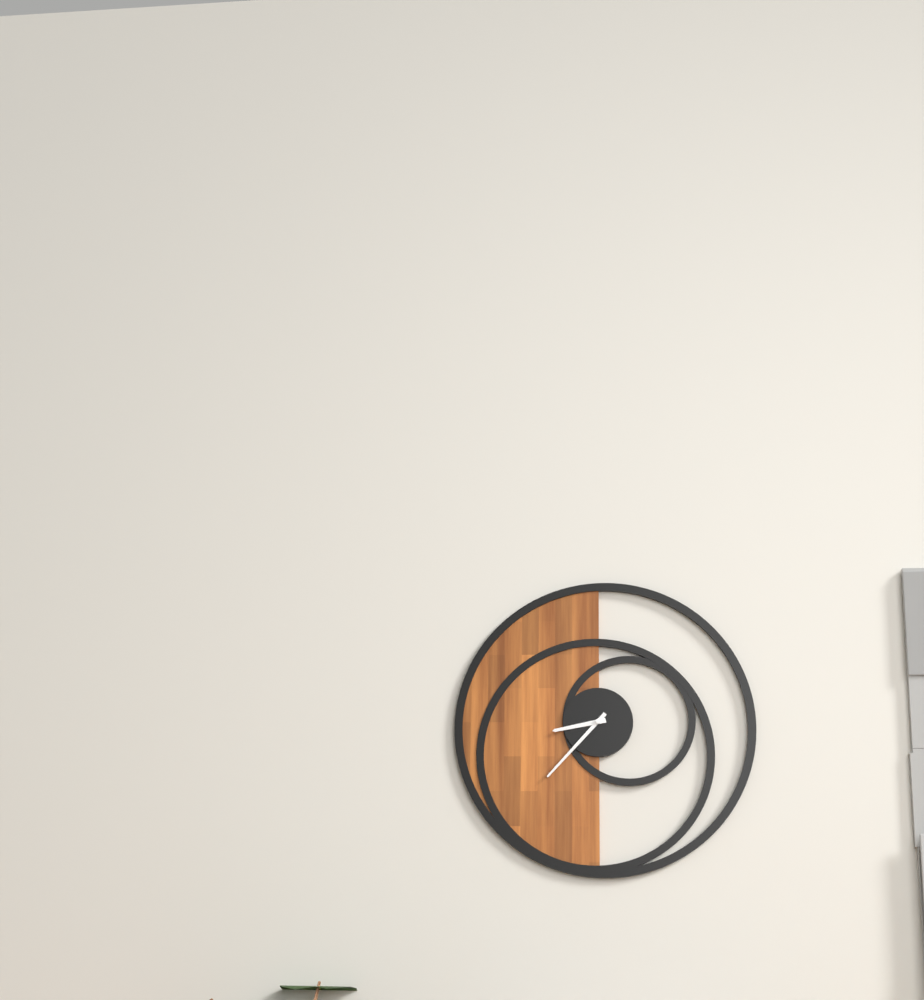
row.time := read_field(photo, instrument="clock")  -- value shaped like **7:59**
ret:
**8:37**
